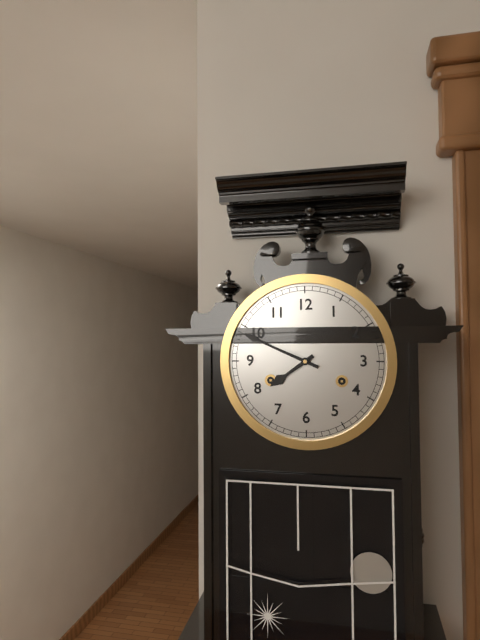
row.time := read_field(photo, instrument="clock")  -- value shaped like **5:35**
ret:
**7:49**
